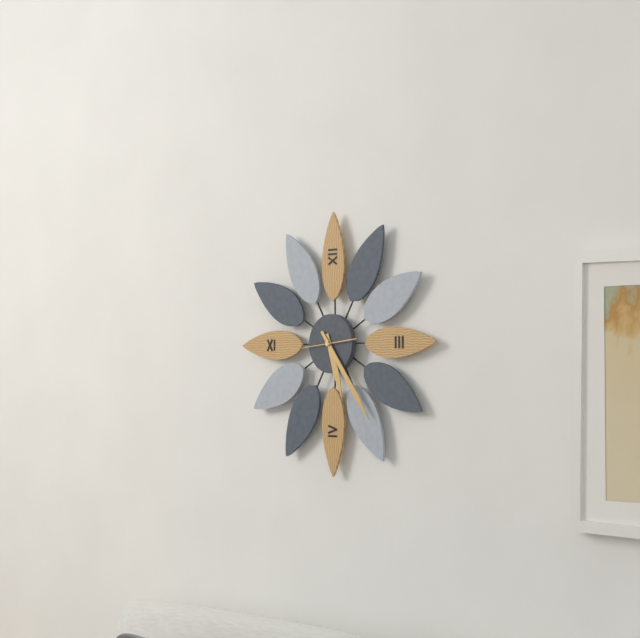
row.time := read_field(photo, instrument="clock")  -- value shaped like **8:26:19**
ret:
**5:24:44**
